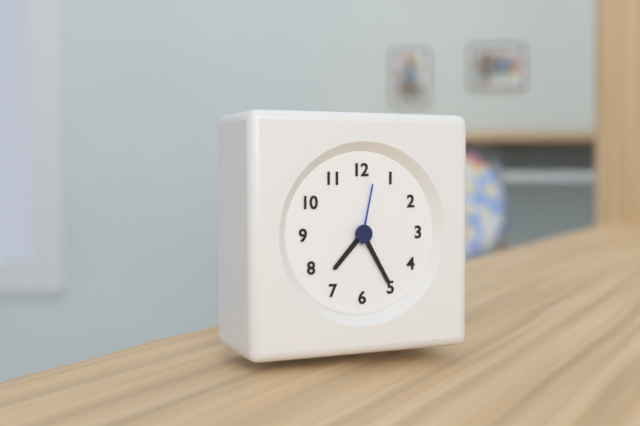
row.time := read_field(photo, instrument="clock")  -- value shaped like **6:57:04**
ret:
**7:25:02**
